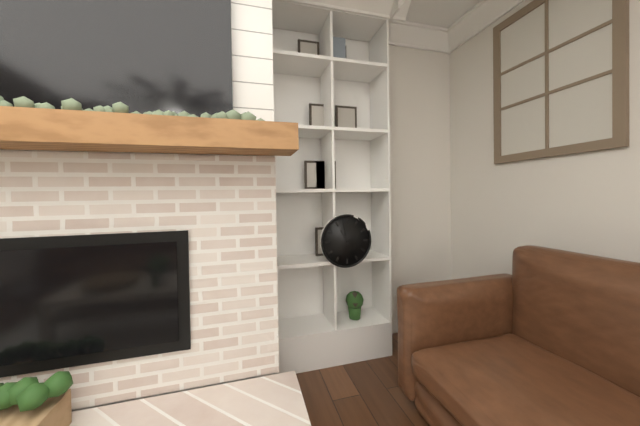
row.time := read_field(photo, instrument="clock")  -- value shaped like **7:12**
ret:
**10:58**
